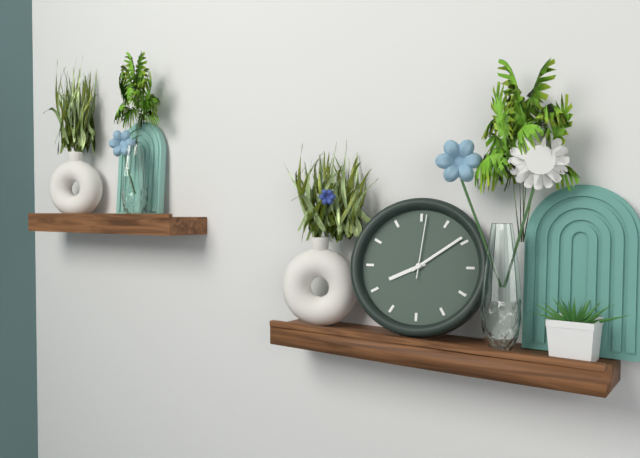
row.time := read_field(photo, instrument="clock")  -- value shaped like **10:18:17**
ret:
**8:09:01**
